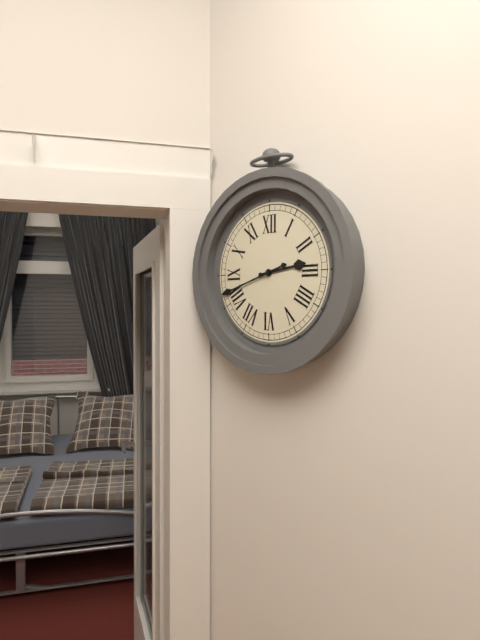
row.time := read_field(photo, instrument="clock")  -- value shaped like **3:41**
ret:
**2:42**
